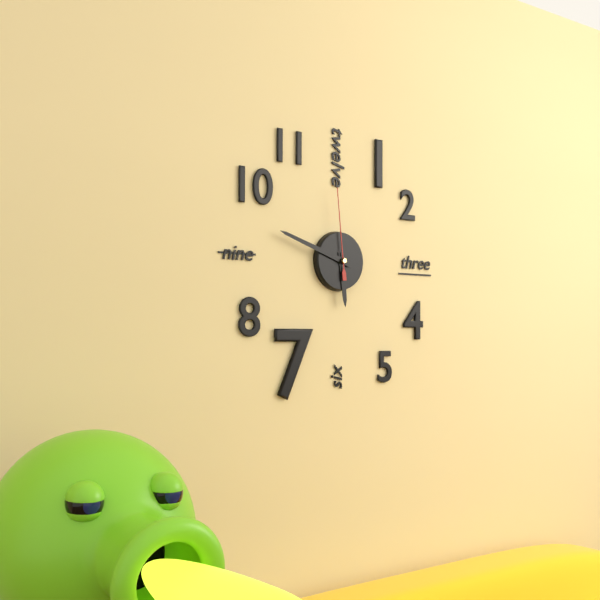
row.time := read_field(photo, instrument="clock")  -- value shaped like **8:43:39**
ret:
**5:48:59**
